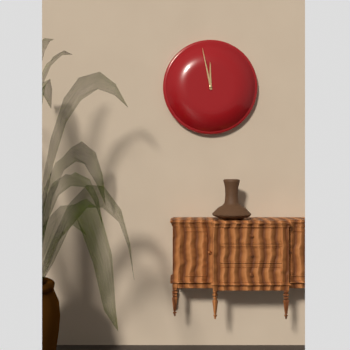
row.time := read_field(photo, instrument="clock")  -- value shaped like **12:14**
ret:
**11:58**
